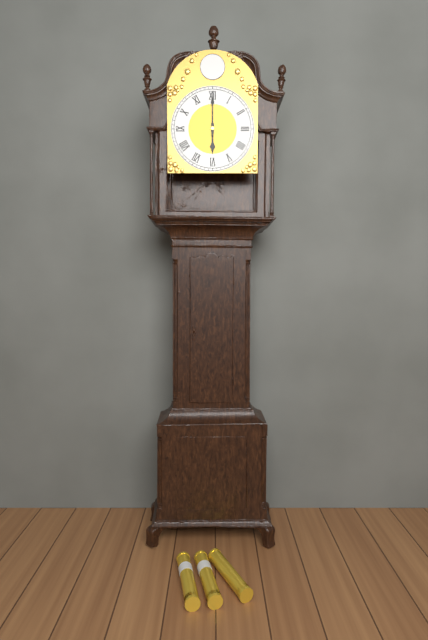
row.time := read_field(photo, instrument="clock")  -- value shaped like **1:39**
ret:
**6:00**
